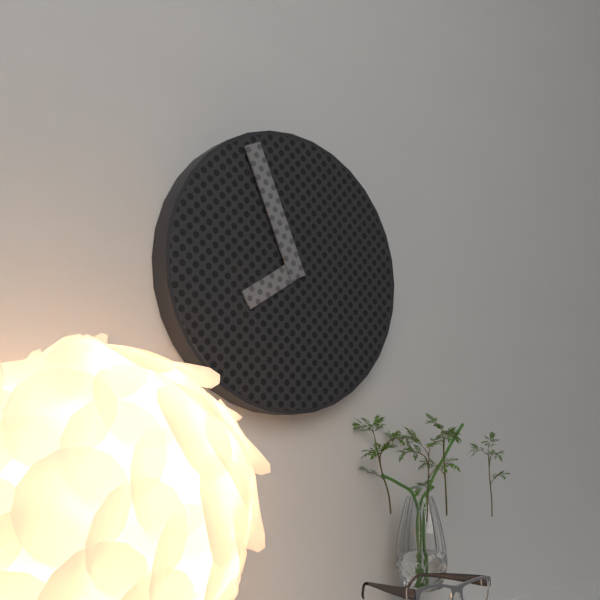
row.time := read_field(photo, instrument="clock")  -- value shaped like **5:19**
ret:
**7:56**
